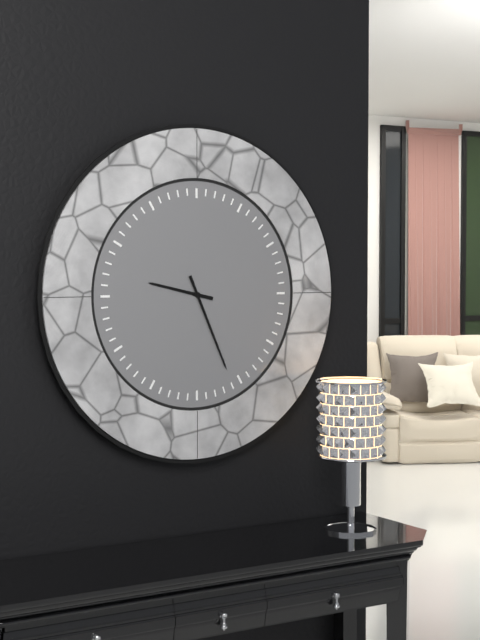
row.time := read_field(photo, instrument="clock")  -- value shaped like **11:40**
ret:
**9:26**
